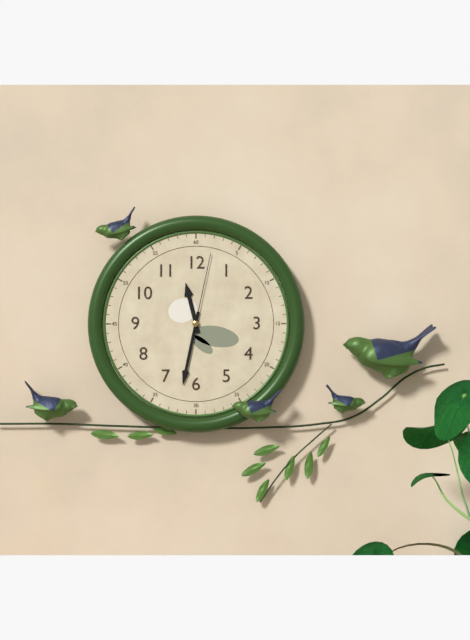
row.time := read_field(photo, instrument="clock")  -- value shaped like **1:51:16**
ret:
**11:32:02**
